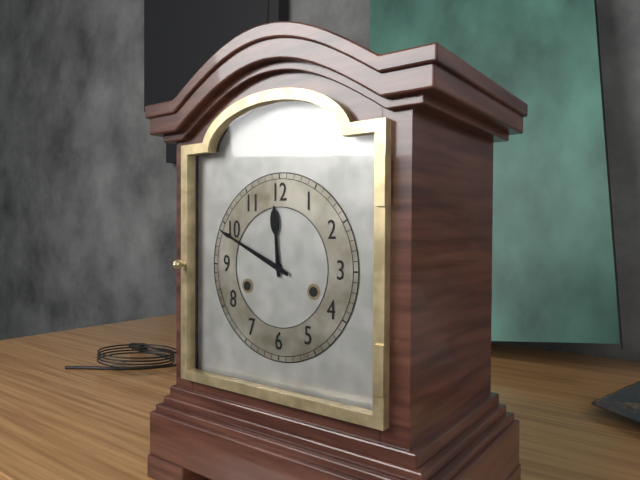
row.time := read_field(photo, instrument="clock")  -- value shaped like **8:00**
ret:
**11:49**
